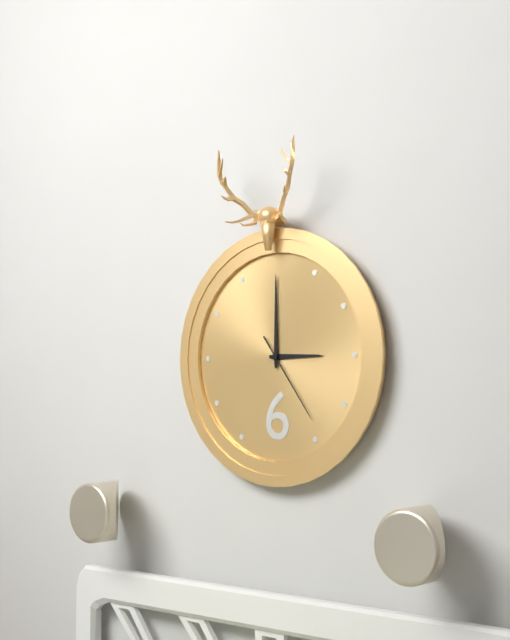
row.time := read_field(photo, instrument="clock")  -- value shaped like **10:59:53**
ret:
**3:00:24**
